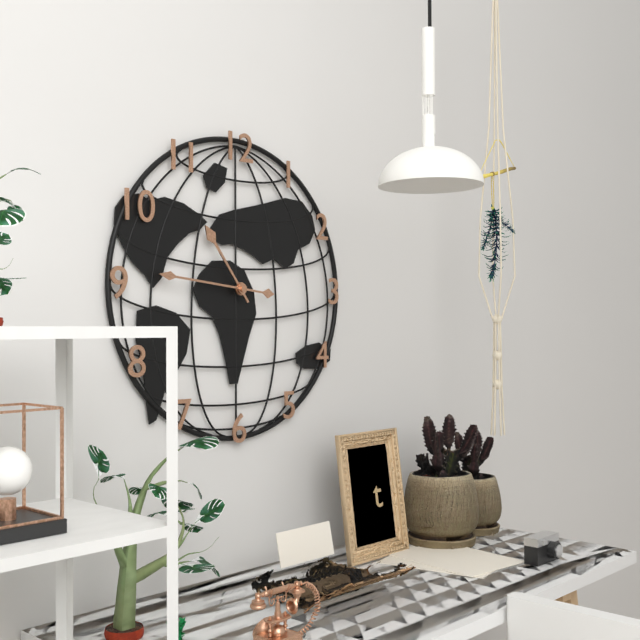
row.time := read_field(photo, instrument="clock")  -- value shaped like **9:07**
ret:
**10:46**
